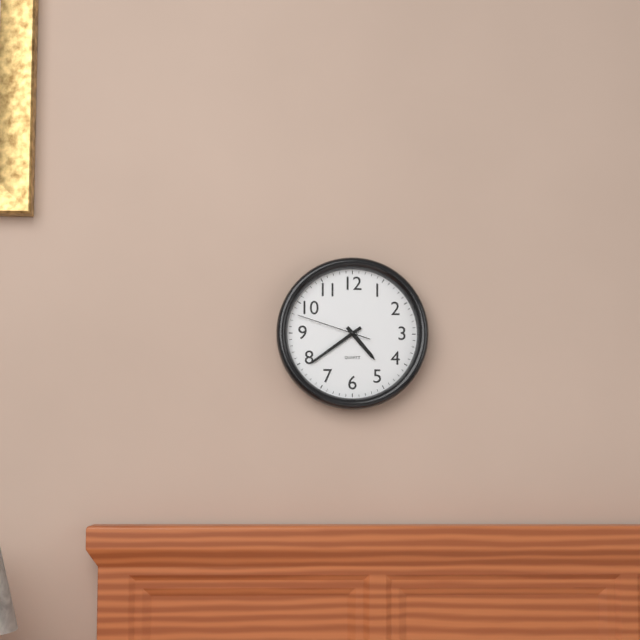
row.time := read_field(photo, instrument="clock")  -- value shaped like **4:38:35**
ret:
**4:39:48**
